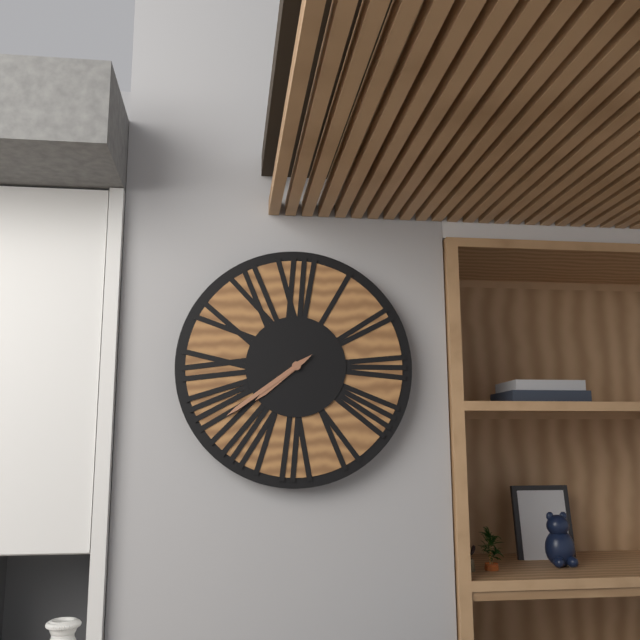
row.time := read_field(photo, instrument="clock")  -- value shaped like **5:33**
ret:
**7:39**
